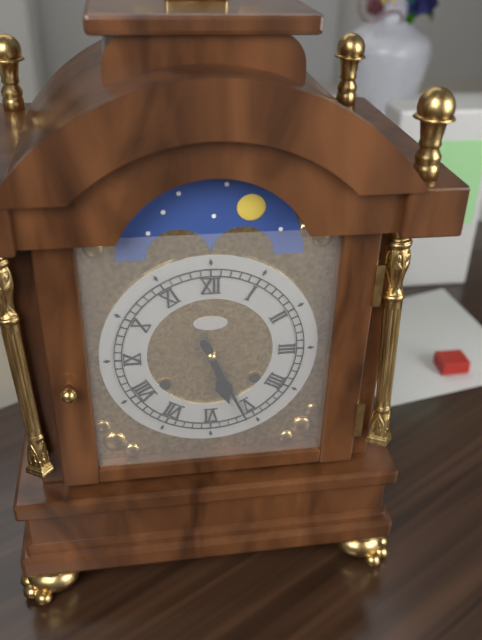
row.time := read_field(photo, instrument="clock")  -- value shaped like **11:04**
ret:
**5:26**
